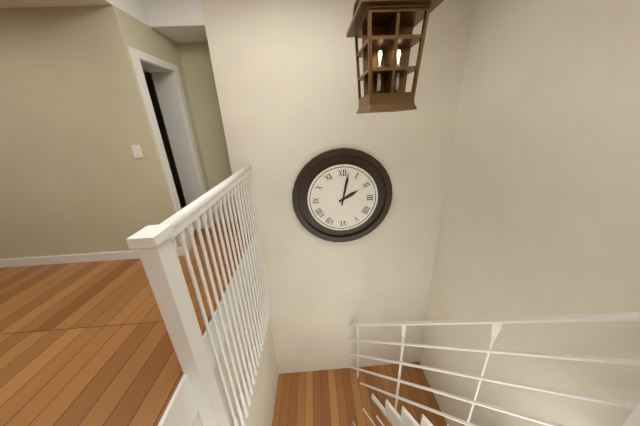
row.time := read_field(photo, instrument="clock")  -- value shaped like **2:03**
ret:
**2:02**
